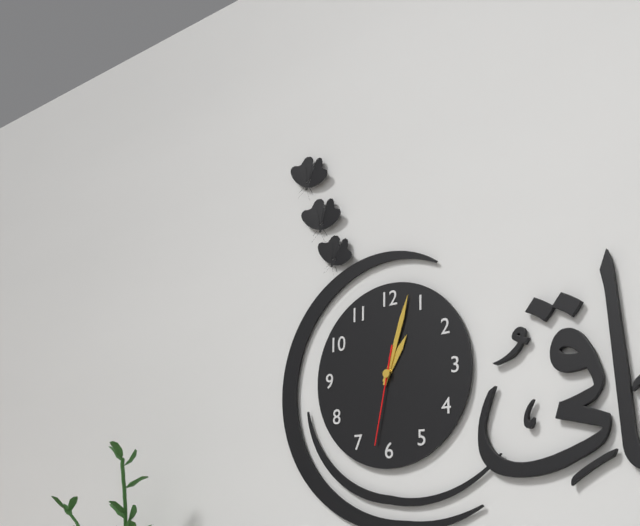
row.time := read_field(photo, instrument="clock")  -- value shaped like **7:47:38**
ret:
**1:03:32**
